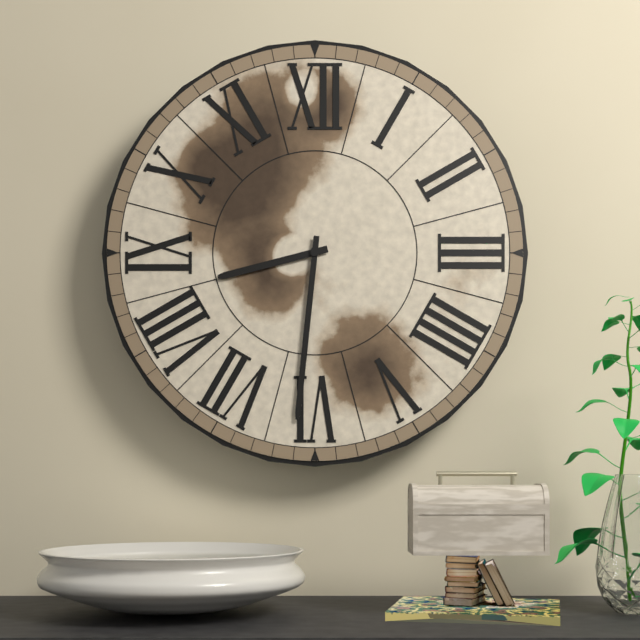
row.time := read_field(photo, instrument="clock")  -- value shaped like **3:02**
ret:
**8:31**
